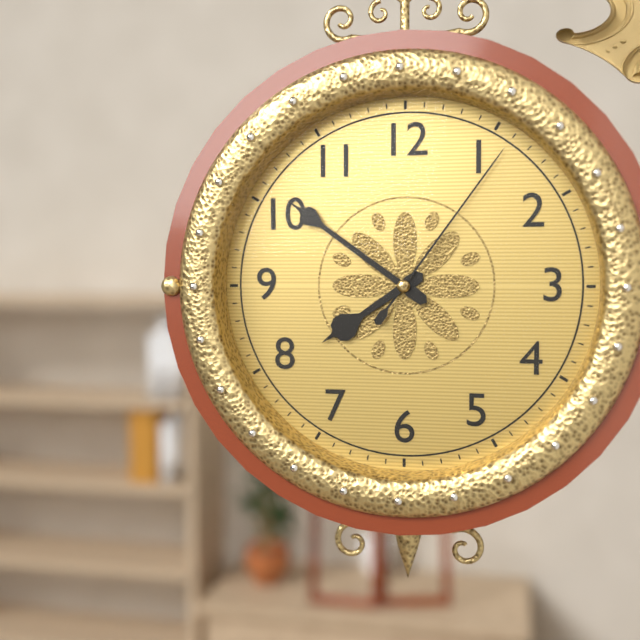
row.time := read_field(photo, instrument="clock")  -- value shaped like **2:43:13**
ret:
**7:51:06**
